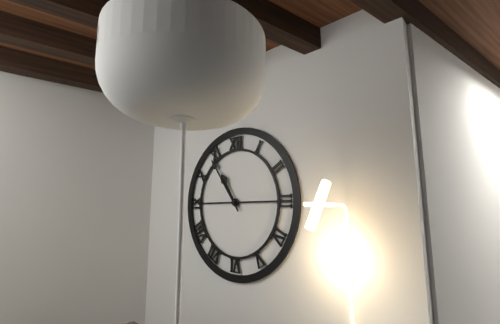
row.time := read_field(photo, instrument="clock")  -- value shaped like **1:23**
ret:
**10:54**
